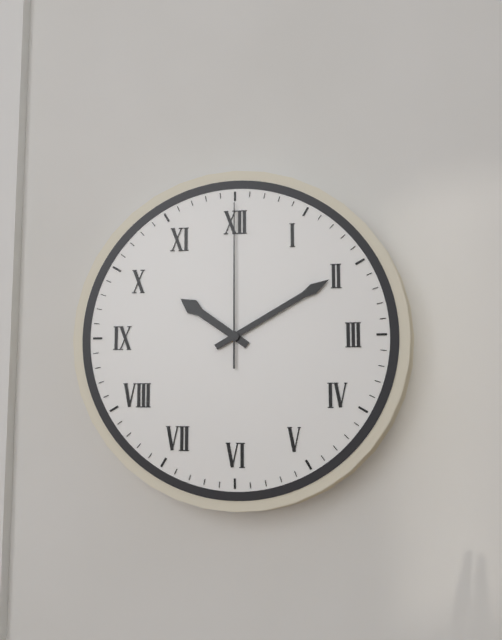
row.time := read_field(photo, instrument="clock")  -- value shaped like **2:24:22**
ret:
**10:10:00**
